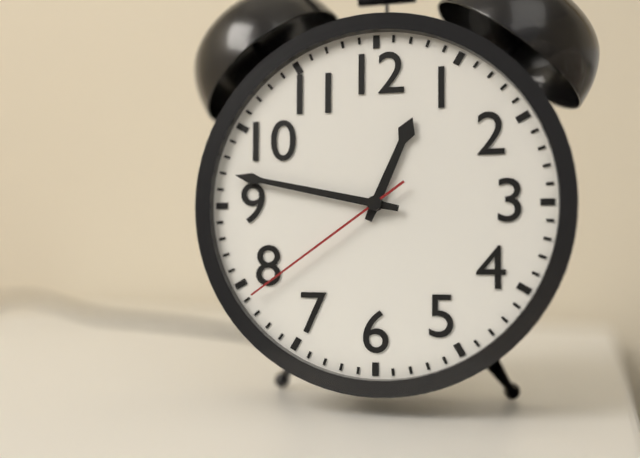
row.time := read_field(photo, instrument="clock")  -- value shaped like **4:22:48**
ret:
**12:47:39**
